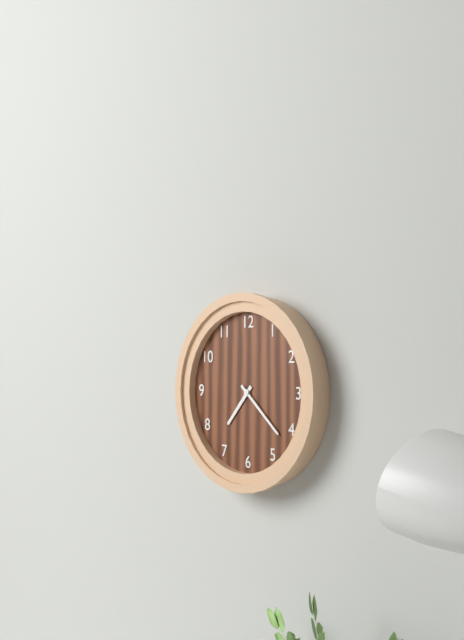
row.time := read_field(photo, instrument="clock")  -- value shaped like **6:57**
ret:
**7:22**
